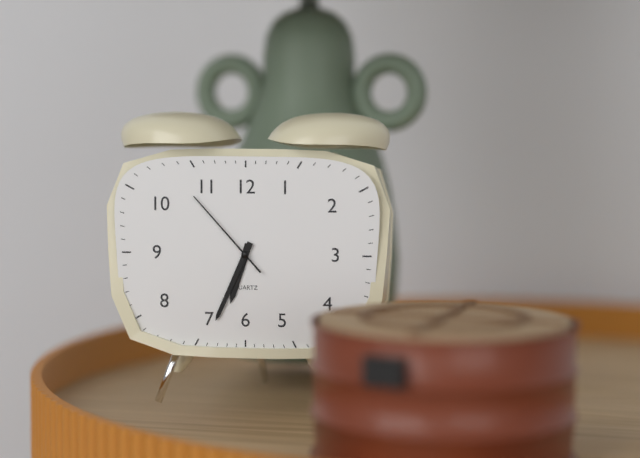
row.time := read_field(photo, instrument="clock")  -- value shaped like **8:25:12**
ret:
**6:34:53**
